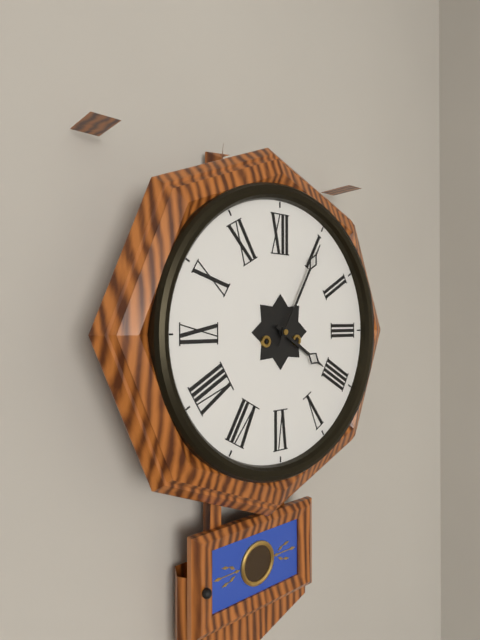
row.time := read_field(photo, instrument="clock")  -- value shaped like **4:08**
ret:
**4:05**
